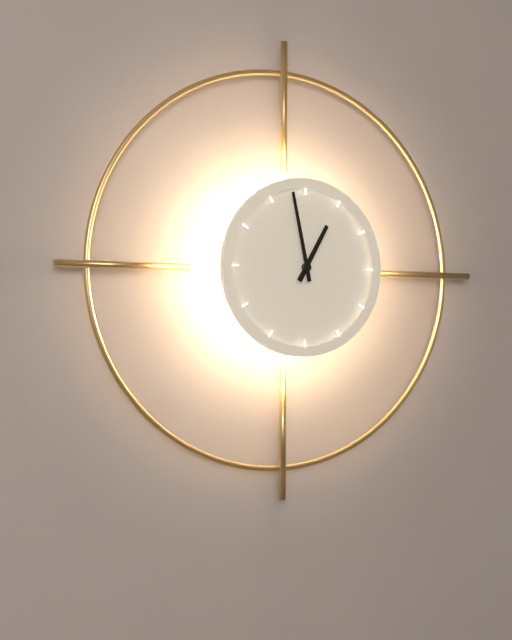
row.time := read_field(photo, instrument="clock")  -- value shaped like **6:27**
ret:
**12:58**
